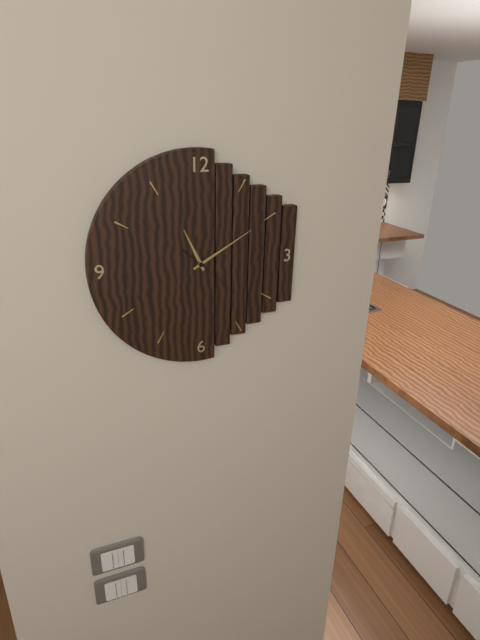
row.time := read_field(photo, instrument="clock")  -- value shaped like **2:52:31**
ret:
**11:10:22**
